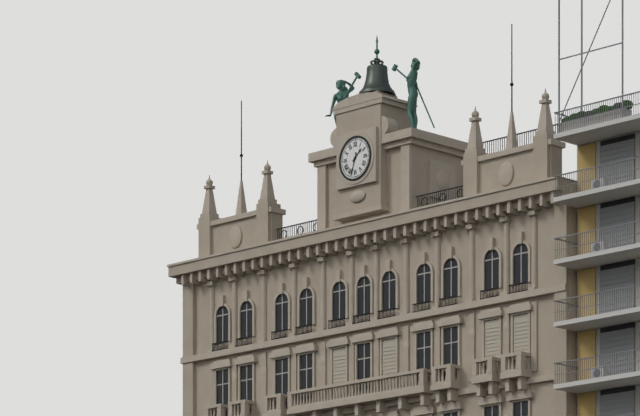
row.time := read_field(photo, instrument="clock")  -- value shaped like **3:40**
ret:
**1:33**
